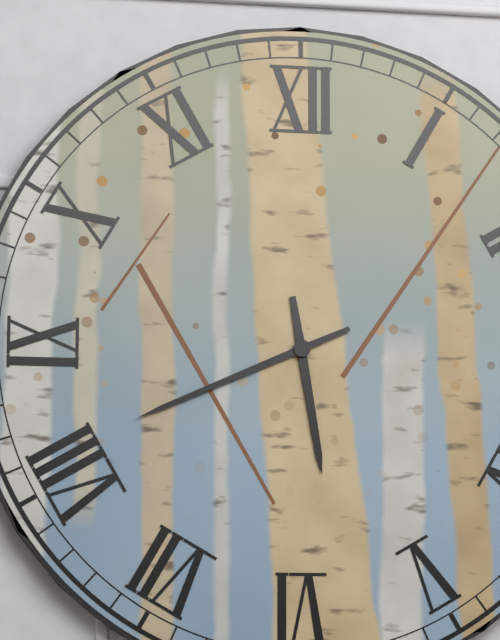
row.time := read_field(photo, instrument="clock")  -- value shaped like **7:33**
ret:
**5:41**
